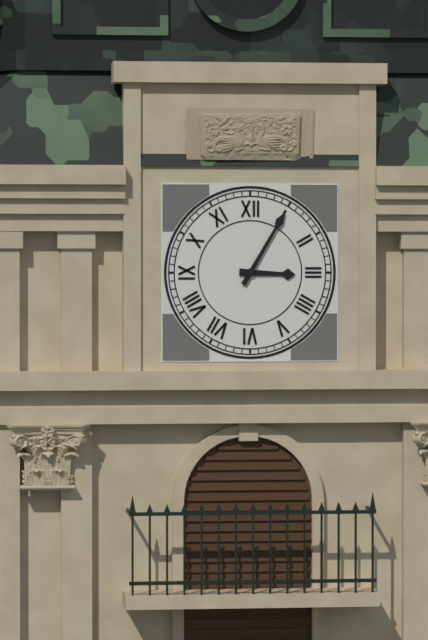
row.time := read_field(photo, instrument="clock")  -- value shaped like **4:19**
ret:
**3:05**
